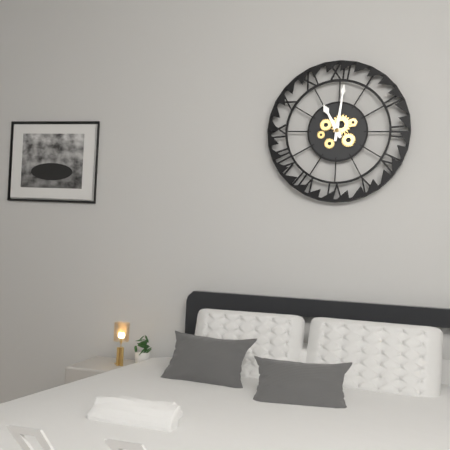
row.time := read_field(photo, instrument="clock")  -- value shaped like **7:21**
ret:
**11:01**
